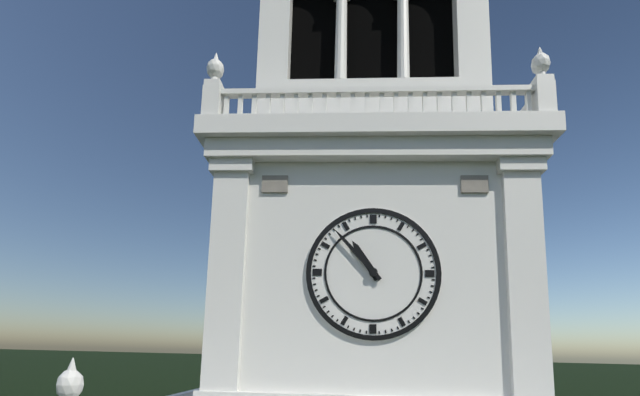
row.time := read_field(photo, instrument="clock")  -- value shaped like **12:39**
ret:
**10:53**
